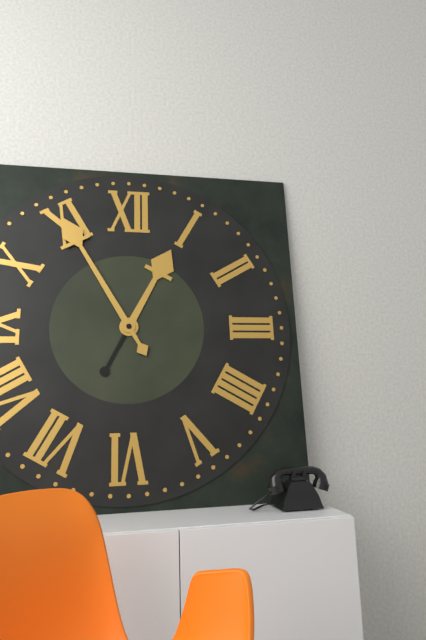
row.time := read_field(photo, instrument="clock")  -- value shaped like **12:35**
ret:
**12:55**
